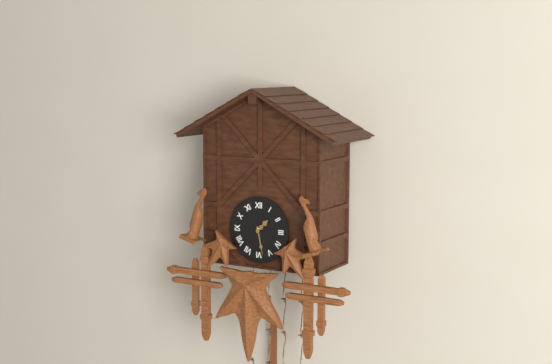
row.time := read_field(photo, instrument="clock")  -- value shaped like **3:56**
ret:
**1:28**
